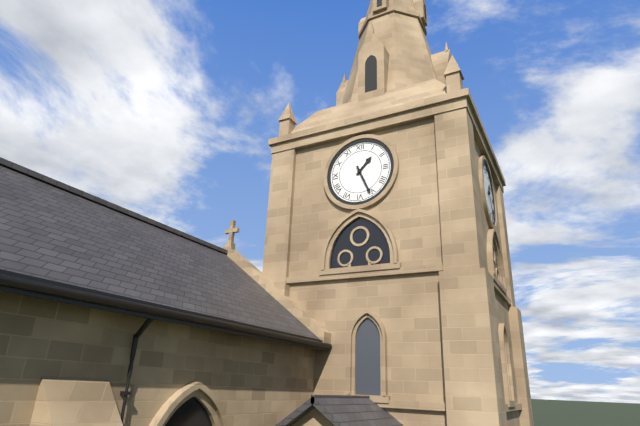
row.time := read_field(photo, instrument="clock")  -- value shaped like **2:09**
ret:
**1:26**
